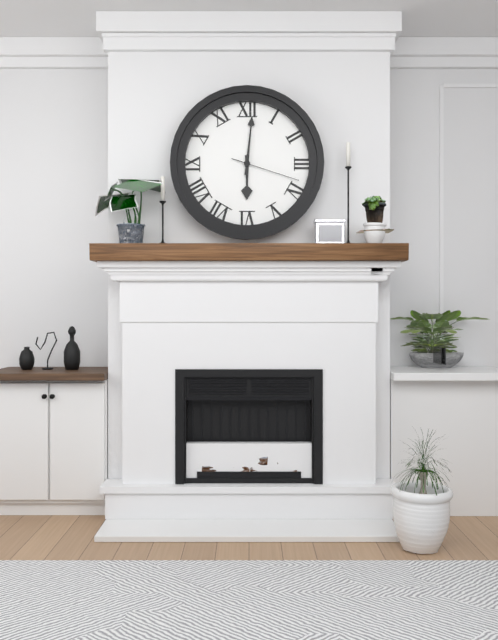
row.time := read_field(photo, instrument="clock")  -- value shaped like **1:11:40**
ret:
**6:01:18**
